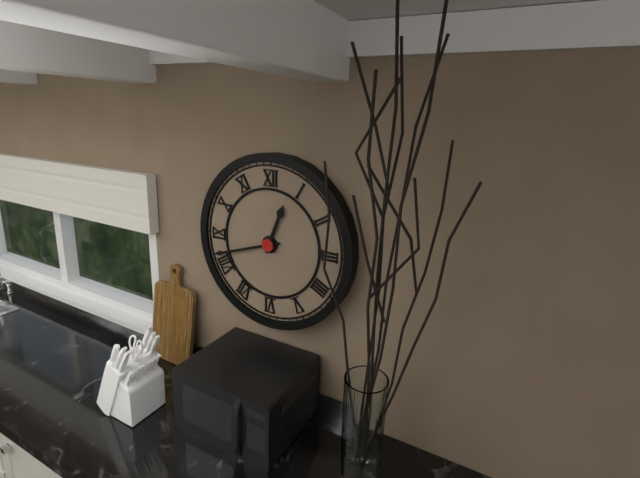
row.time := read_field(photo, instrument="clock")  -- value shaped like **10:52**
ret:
**12:42**
